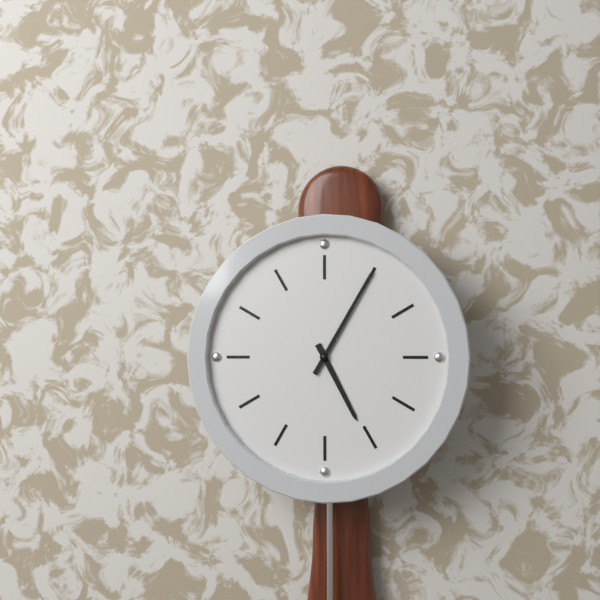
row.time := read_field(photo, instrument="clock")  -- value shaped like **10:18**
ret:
**5:05**
